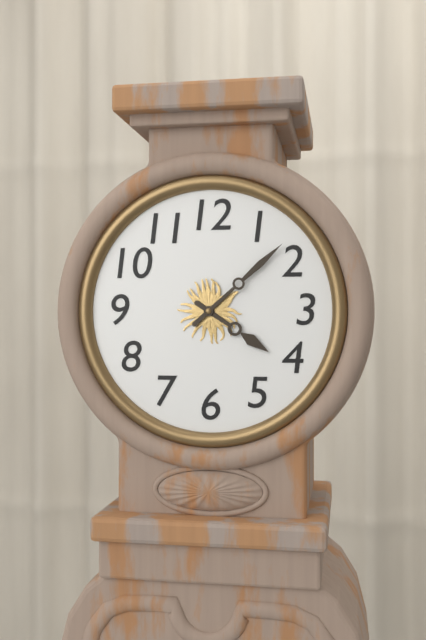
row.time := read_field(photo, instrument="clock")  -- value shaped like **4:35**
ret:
**4:08**
